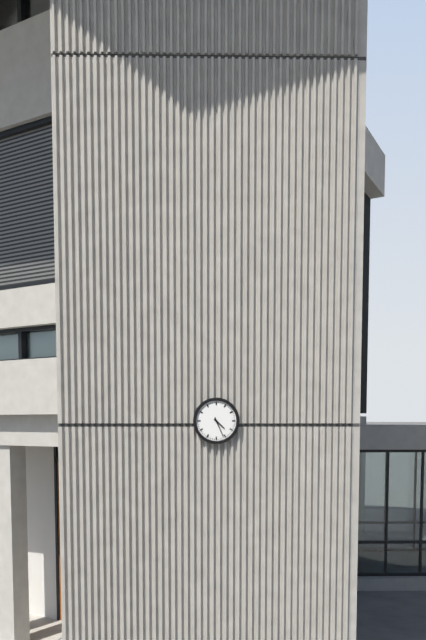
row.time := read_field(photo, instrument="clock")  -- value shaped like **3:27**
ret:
**4:26**
